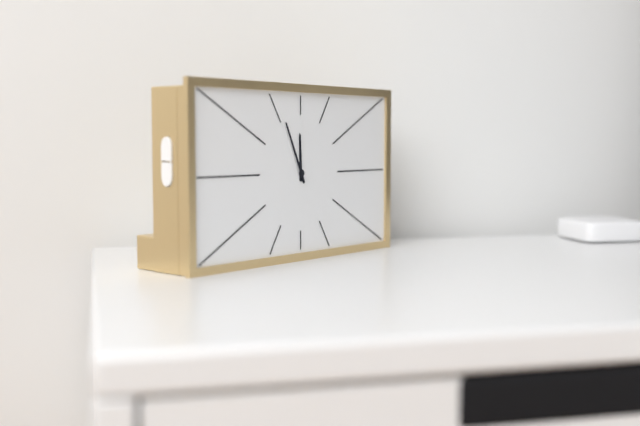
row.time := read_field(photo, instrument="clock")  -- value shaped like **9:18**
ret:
**11:56**
